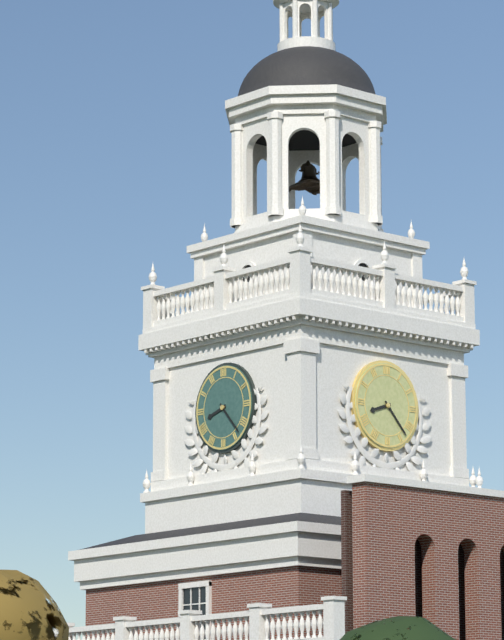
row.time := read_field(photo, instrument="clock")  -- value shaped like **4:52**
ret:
**8:23**
